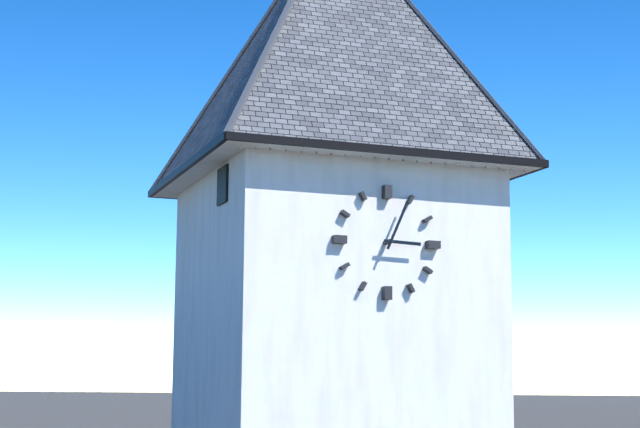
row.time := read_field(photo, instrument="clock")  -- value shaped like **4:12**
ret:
**3:04**
